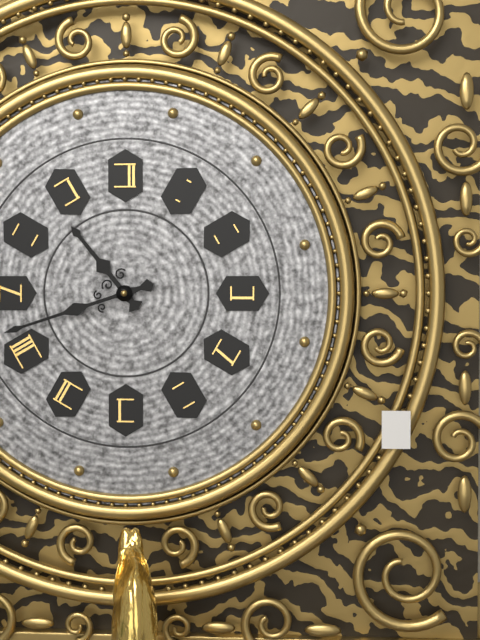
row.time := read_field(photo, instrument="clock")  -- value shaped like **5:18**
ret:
**10:42**
